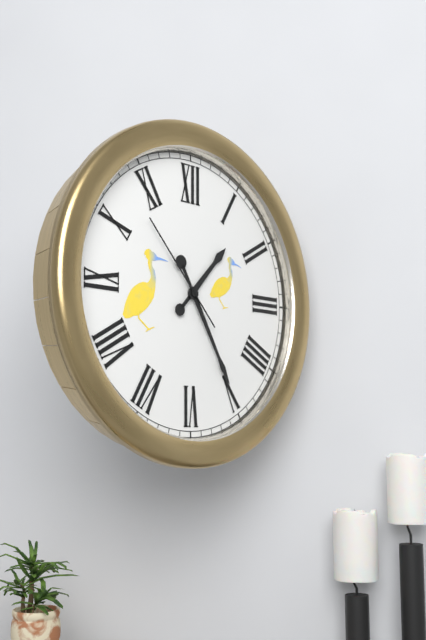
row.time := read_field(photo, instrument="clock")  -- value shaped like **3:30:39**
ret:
**1:25:53**
